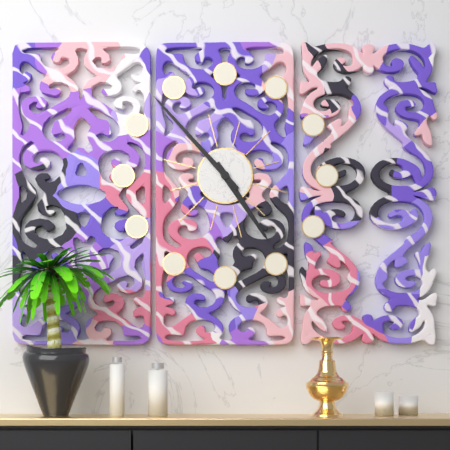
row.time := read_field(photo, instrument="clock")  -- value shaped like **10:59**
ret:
**4:53**
